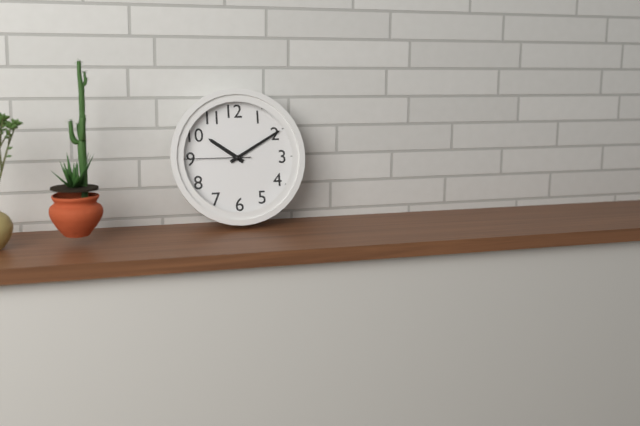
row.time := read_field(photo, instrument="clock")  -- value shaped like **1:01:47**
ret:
**10:10:45**
